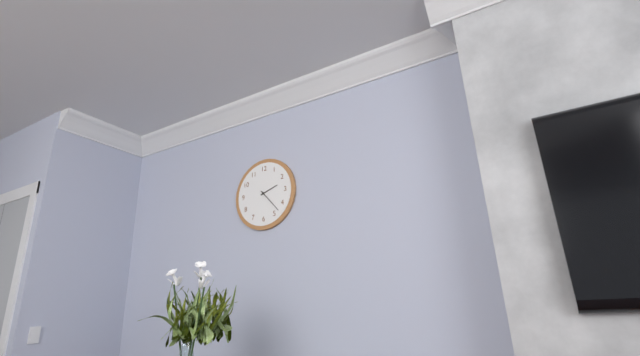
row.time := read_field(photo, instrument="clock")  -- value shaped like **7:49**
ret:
**2:23**
